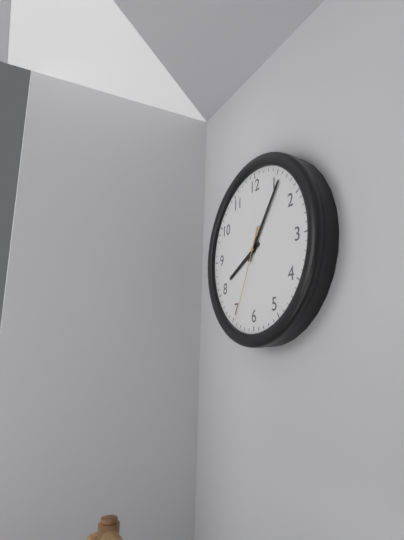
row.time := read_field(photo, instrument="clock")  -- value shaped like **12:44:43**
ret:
**8:06:34**
